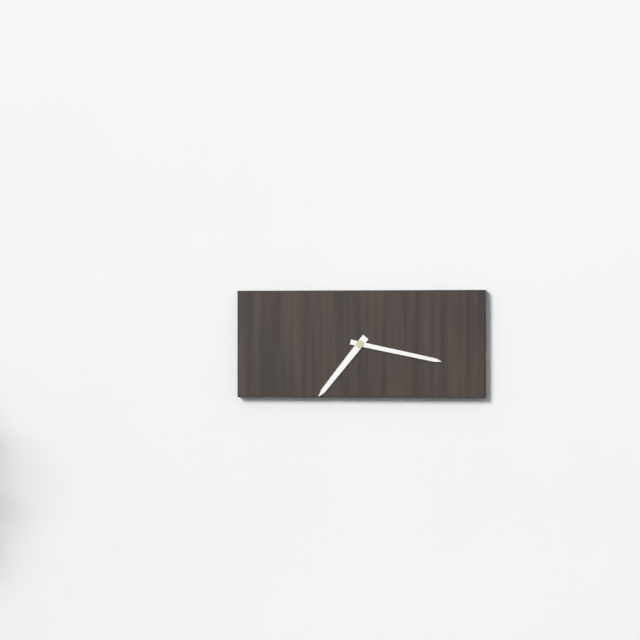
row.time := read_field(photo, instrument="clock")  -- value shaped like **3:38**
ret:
**7:17**
